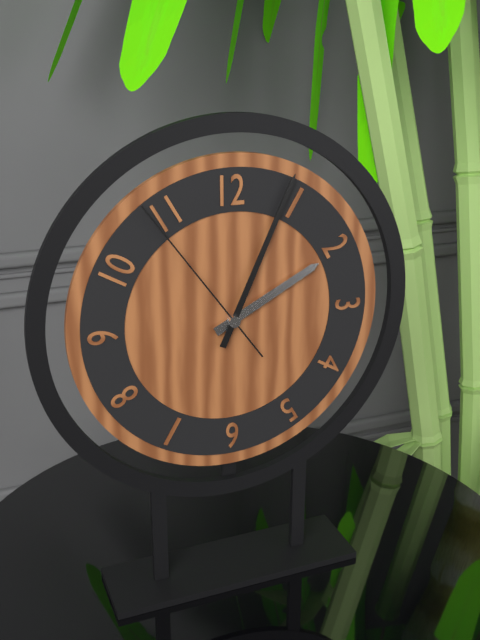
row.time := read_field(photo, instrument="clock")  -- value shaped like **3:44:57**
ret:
**2:04:54**
